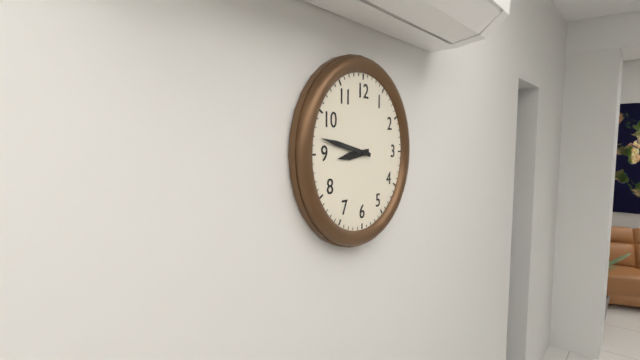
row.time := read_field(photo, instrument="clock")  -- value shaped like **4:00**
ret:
**8:47**
